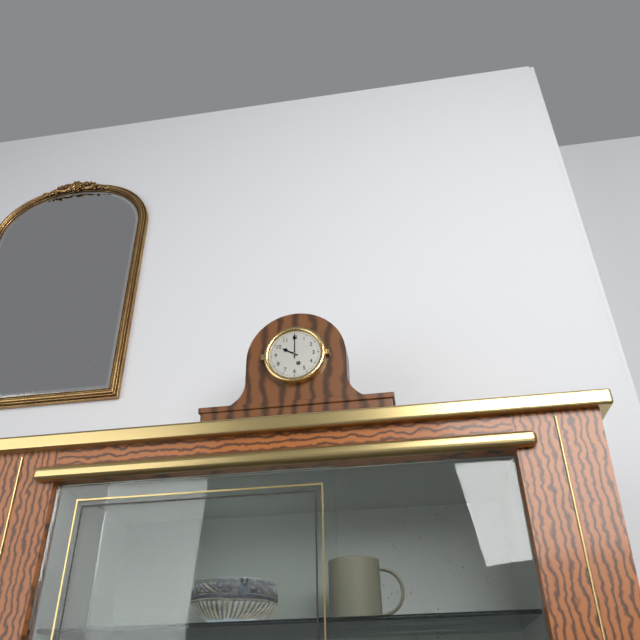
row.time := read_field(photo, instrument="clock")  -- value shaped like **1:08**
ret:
**10:00**
